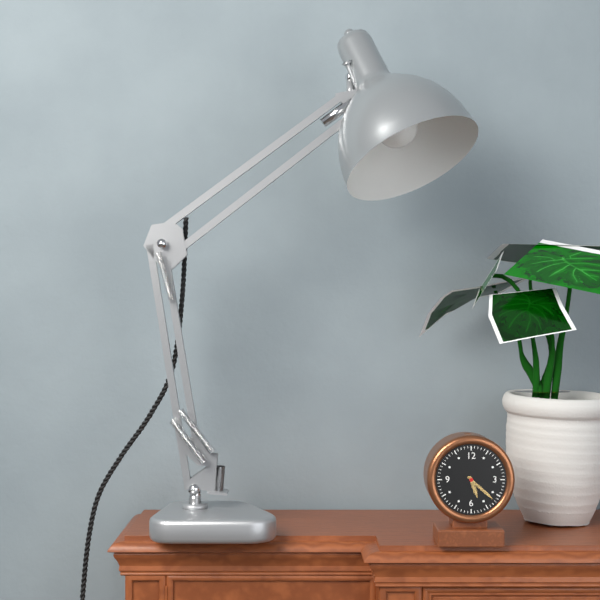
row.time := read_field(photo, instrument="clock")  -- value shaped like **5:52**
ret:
**5:22**
